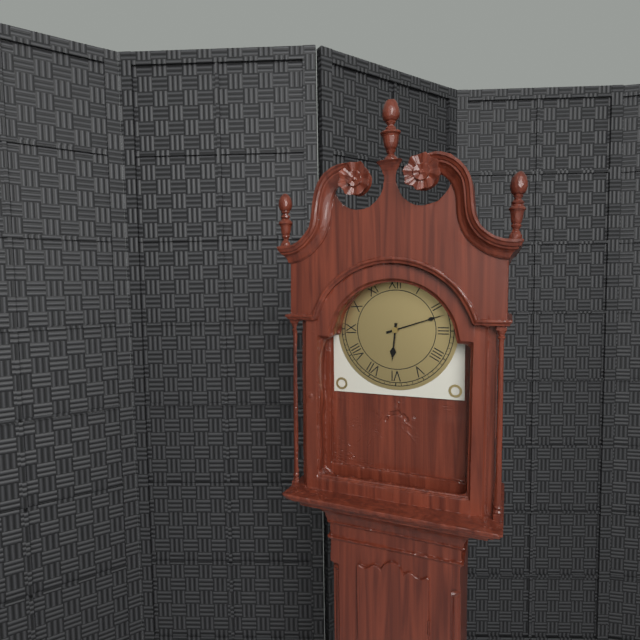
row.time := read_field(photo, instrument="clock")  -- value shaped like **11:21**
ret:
**6:12**
